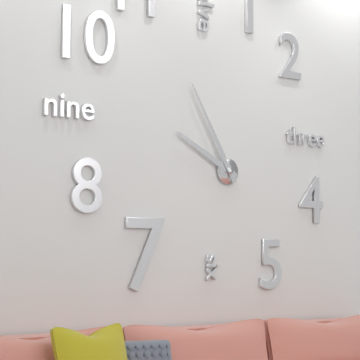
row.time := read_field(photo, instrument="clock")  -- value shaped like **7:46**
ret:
**9:55**
